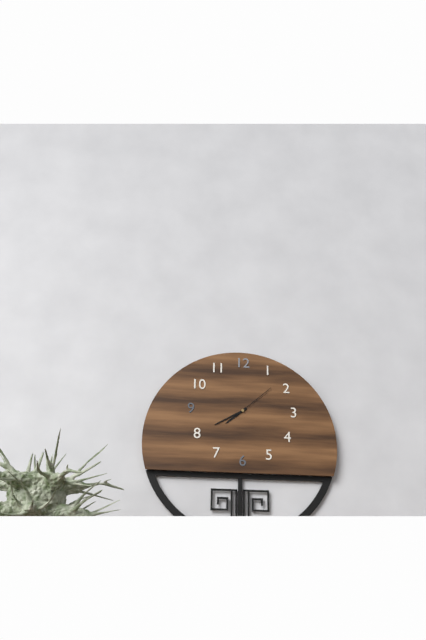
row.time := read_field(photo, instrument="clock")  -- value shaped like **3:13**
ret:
**7:40**
